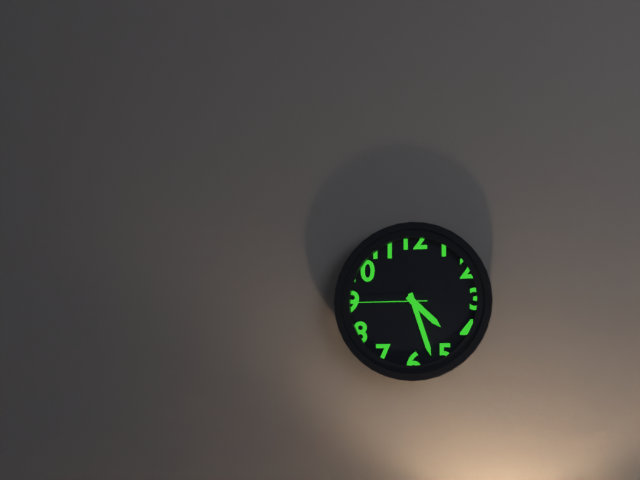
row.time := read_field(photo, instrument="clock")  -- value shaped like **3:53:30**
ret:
**4:27:45**
